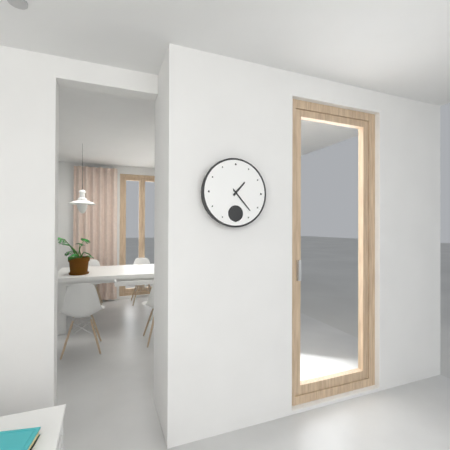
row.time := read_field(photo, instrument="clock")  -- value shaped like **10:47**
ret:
**1:23**
